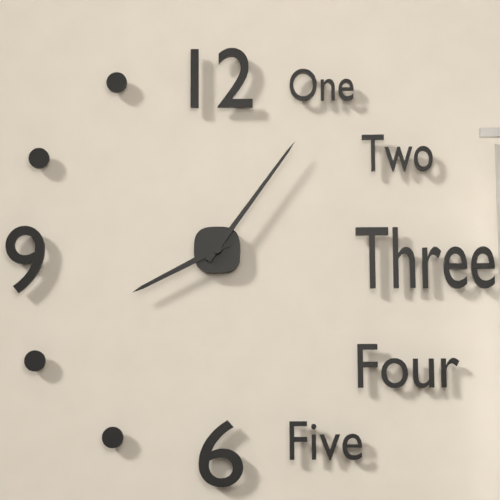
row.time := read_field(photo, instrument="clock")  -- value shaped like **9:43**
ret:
**8:06**
